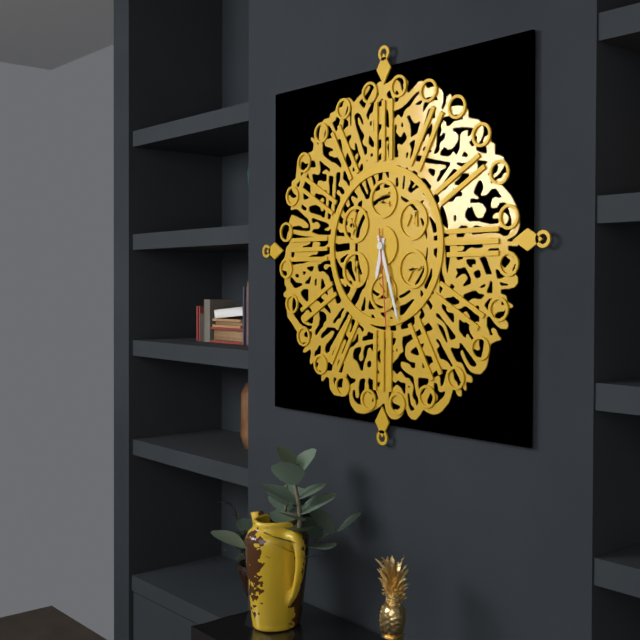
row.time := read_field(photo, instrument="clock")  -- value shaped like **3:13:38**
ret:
**6:27:29**
